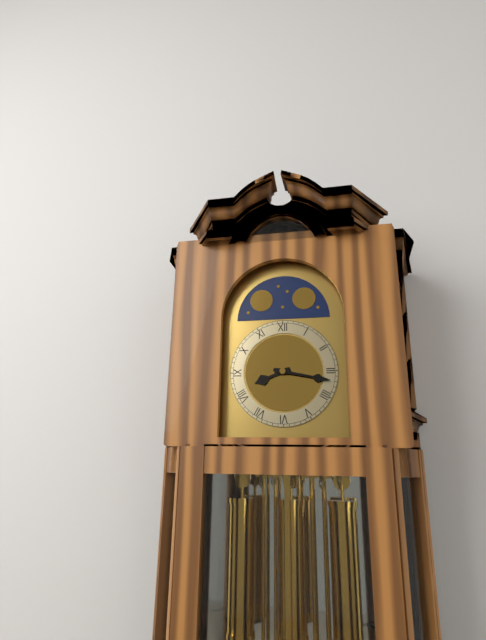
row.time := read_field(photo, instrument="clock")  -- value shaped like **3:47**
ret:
**8:17**
